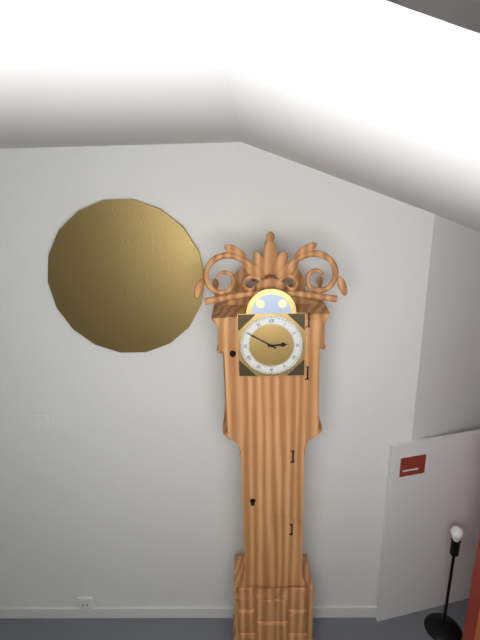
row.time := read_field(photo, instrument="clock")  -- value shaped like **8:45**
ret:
**2:50**
